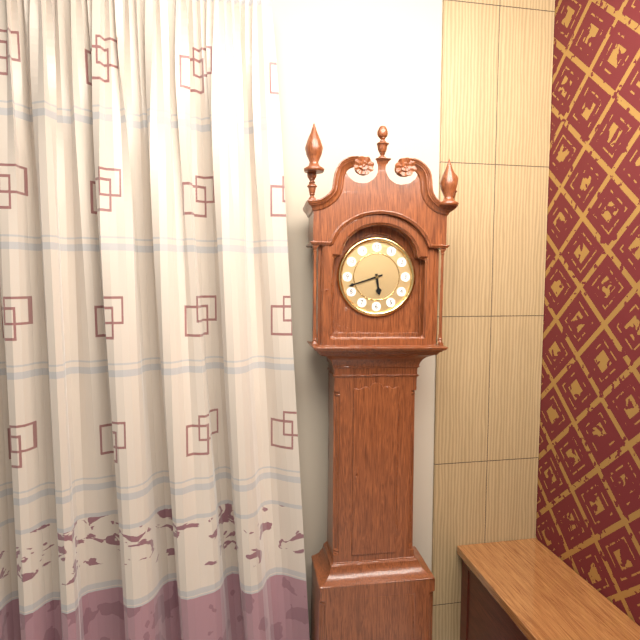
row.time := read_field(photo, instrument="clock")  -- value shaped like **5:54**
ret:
**5:42**
